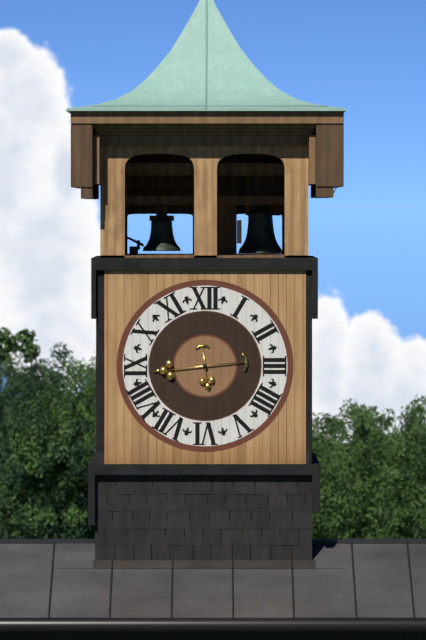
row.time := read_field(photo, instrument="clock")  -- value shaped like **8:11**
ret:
**5:44**
